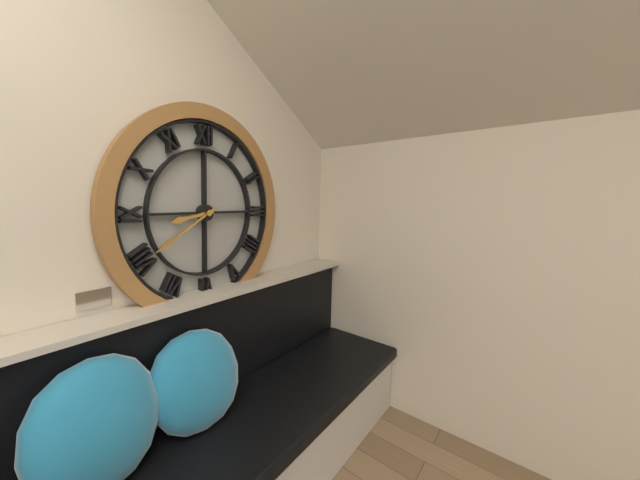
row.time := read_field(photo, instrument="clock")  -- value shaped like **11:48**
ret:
**8:40**
